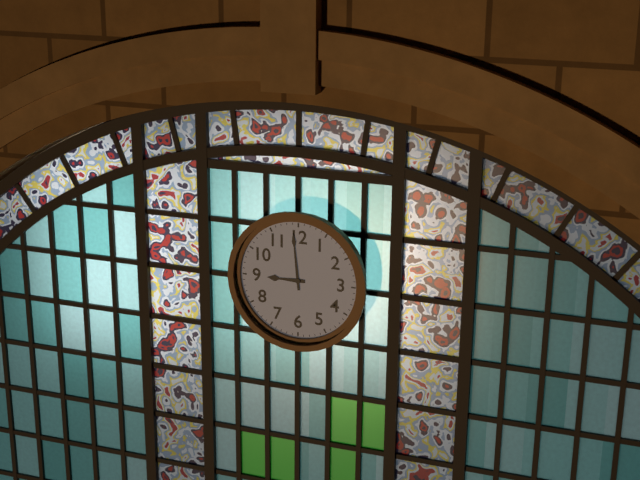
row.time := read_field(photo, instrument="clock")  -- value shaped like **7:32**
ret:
**8:59**
